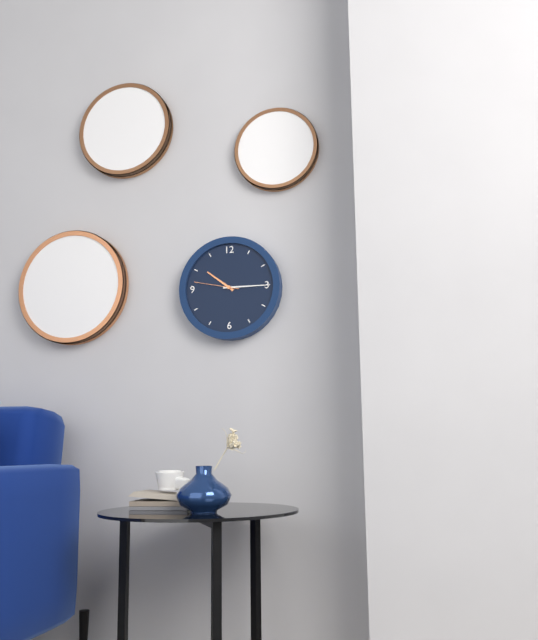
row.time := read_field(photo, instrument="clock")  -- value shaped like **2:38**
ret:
**10:15**
